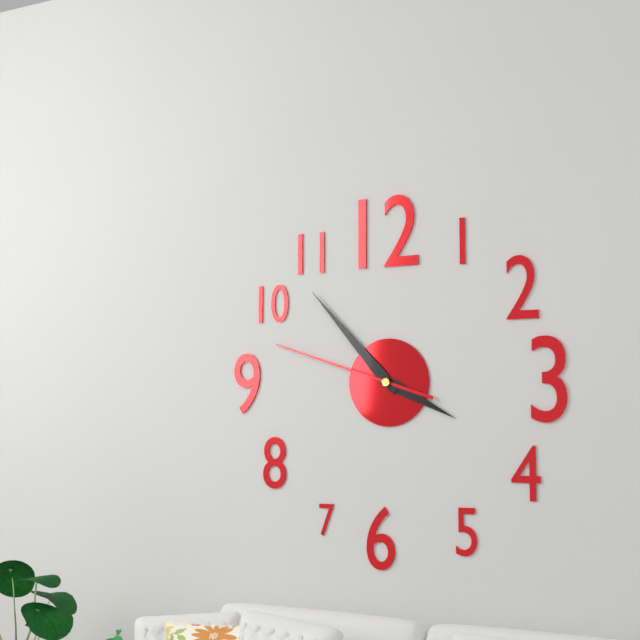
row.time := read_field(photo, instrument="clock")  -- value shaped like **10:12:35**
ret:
**3:53:48**
